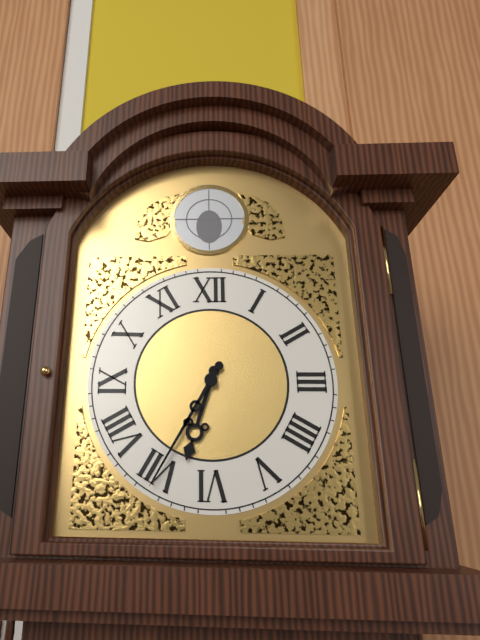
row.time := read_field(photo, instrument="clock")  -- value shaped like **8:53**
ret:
**6:35**
